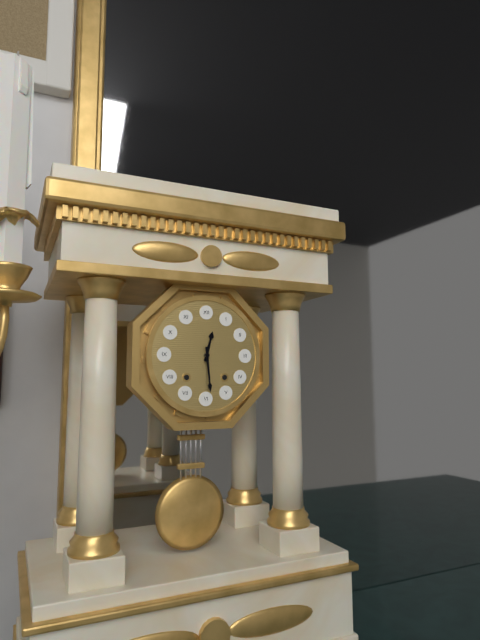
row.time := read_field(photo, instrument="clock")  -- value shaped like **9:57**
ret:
**12:29**
